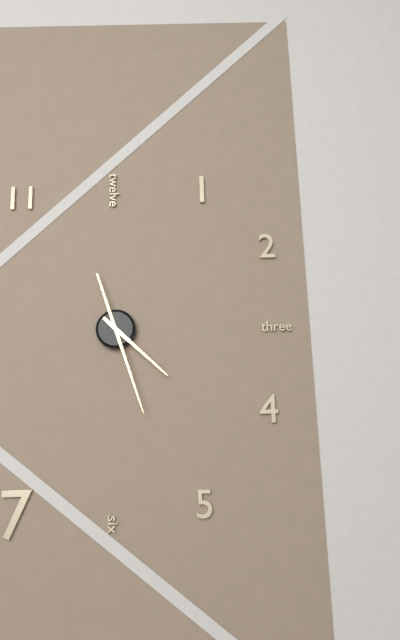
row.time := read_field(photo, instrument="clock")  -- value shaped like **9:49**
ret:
**4:27**
